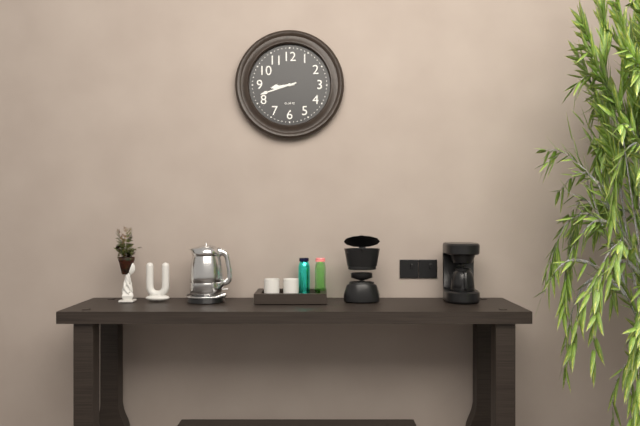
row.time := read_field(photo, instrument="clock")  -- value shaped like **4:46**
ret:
**8:42**
